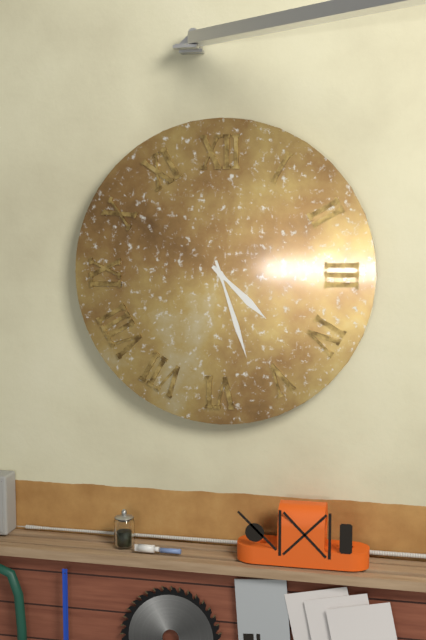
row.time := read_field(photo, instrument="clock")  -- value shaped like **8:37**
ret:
**4:27**
